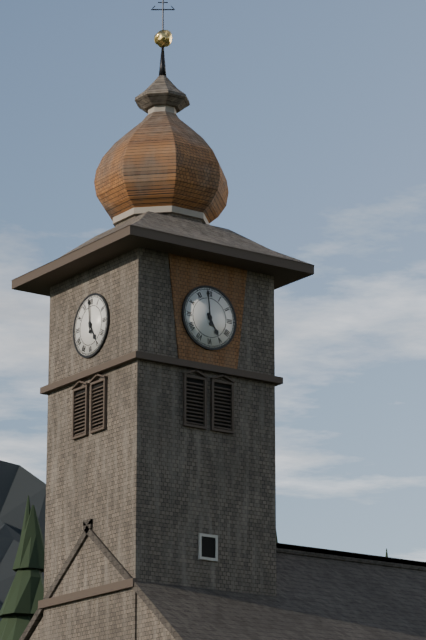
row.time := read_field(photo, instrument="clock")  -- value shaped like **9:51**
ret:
**4:59**
